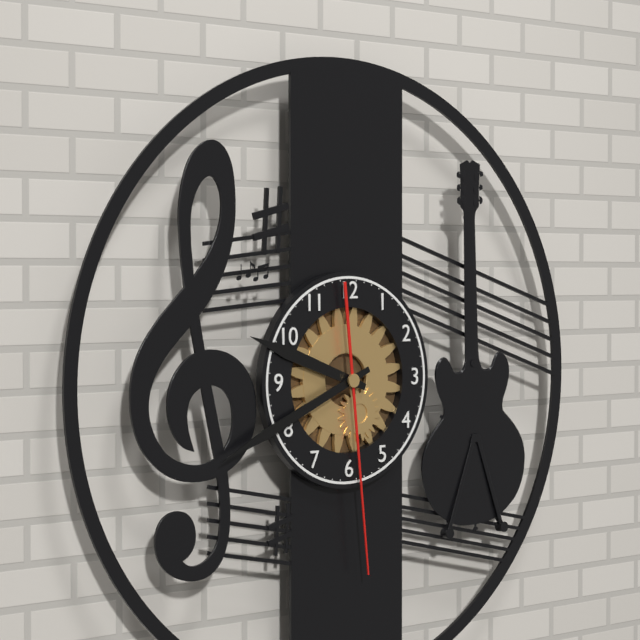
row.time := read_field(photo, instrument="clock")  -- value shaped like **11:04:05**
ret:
**9:41:29**
